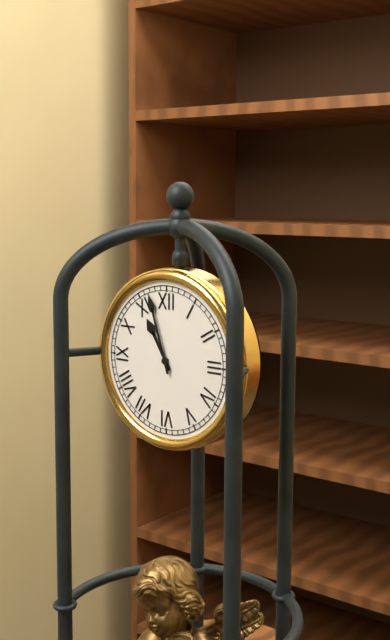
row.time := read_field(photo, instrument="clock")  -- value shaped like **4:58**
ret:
**10:57**
